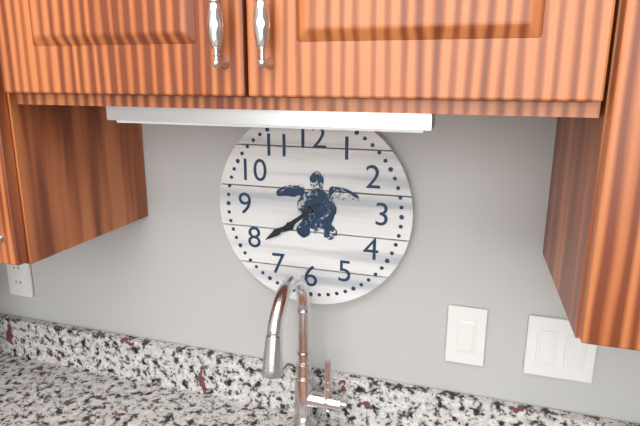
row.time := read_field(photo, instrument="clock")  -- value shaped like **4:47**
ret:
**7:39**
